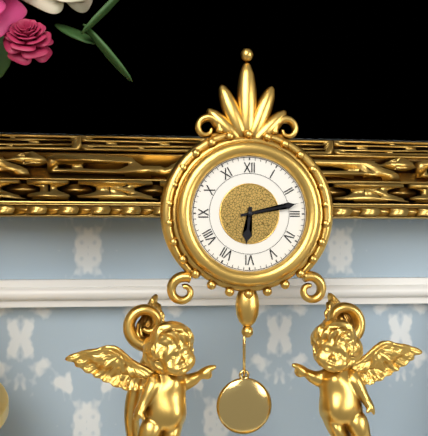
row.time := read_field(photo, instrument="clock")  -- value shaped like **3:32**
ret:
**6:13**
